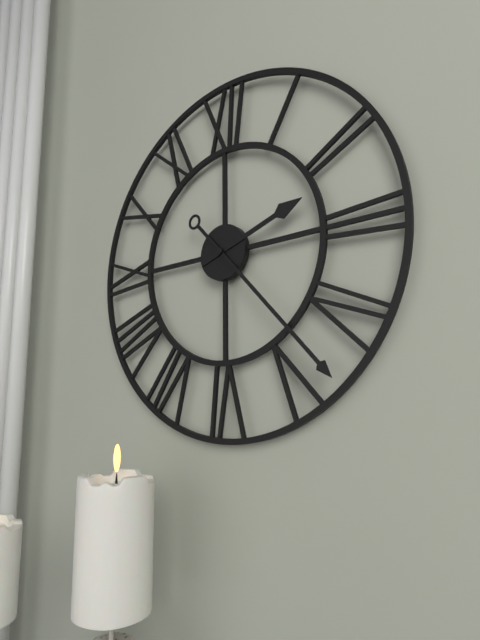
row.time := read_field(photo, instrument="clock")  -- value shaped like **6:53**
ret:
**2:23**
